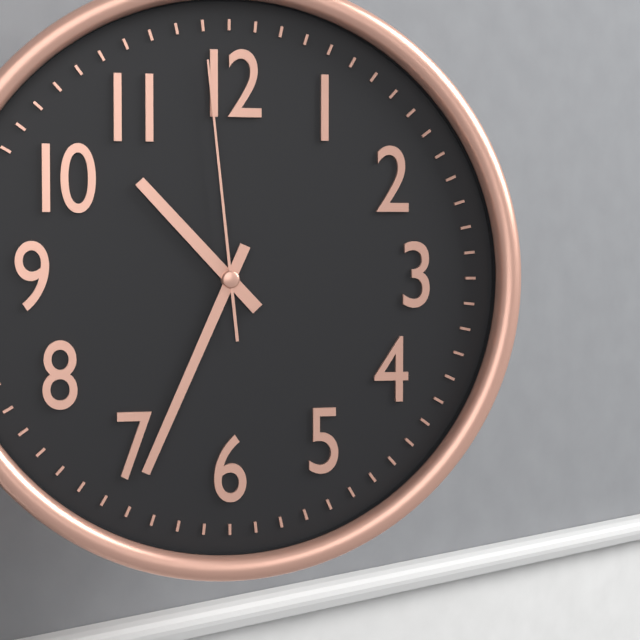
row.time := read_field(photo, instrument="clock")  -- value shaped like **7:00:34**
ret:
**10:34:59**
